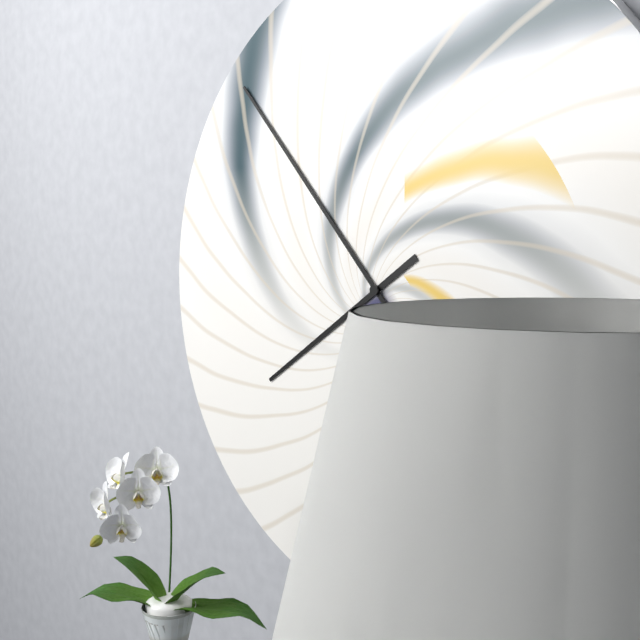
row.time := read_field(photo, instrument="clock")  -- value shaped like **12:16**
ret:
**7:53**
